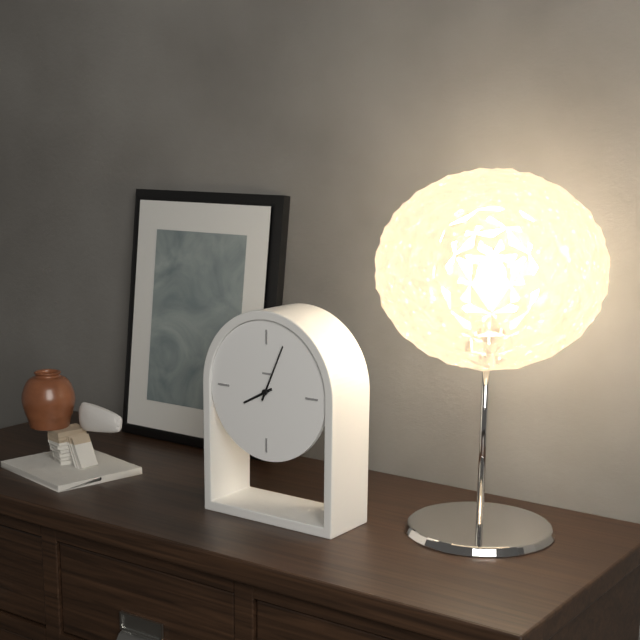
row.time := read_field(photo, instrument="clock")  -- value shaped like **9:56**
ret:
**8:04**
